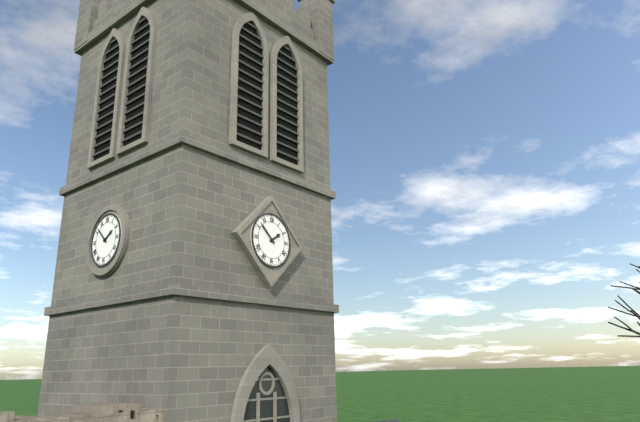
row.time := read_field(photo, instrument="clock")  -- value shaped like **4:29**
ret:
**1:52**
